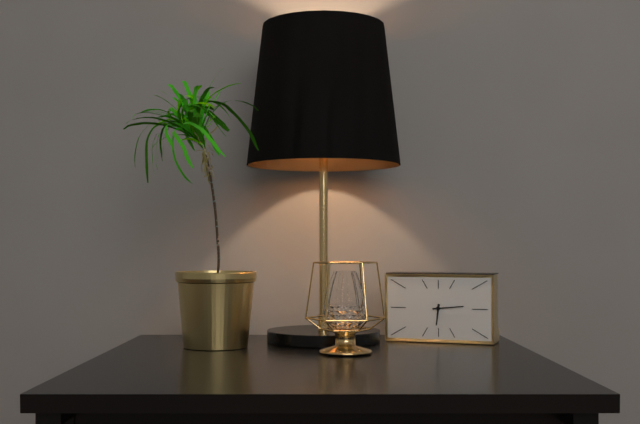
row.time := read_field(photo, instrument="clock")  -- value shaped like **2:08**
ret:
**6:14**
